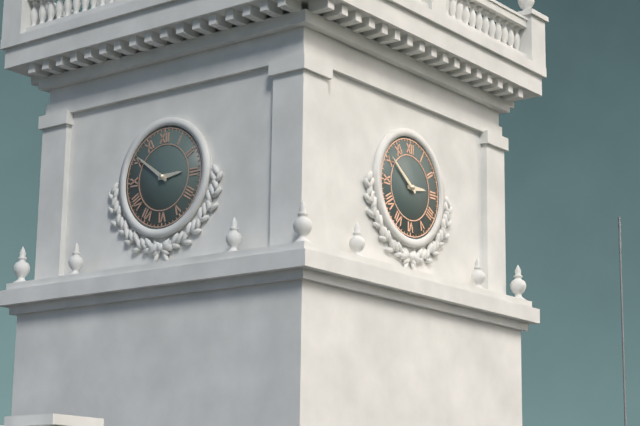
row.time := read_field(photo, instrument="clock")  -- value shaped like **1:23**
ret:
**2:51**
